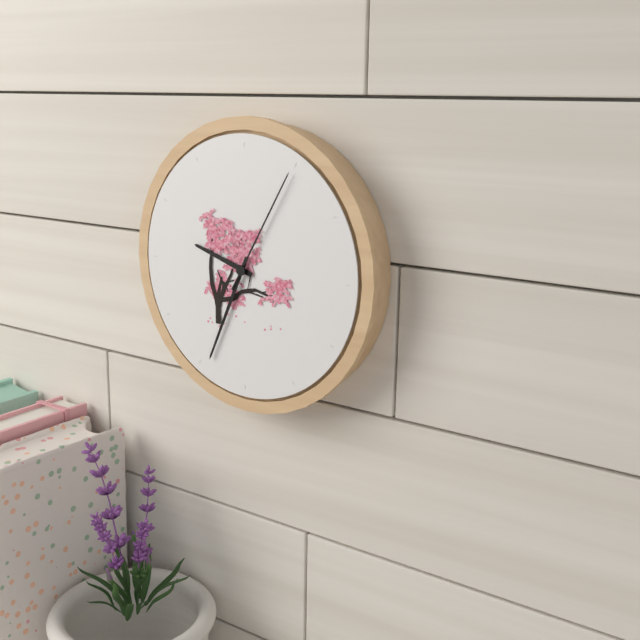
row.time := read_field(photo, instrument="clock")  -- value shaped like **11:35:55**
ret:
**9:34:05**
